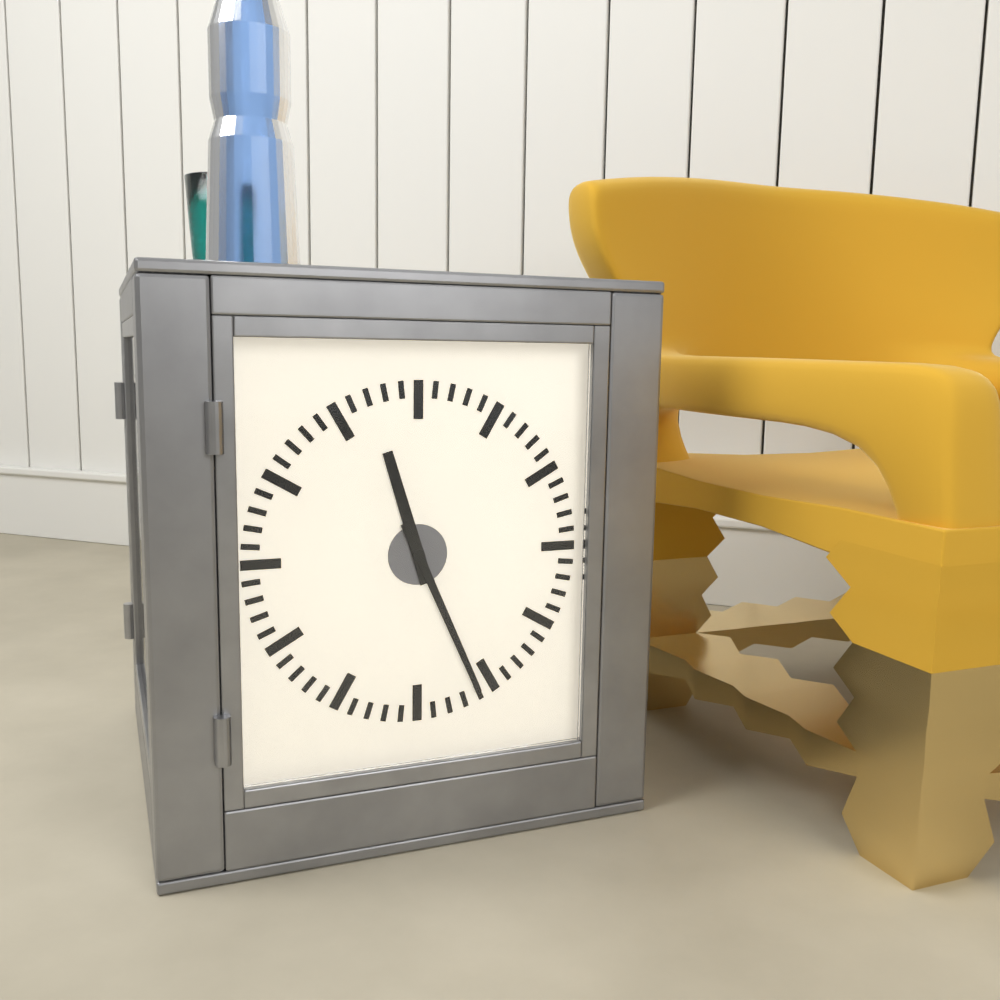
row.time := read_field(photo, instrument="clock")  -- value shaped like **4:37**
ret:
**11:26**
